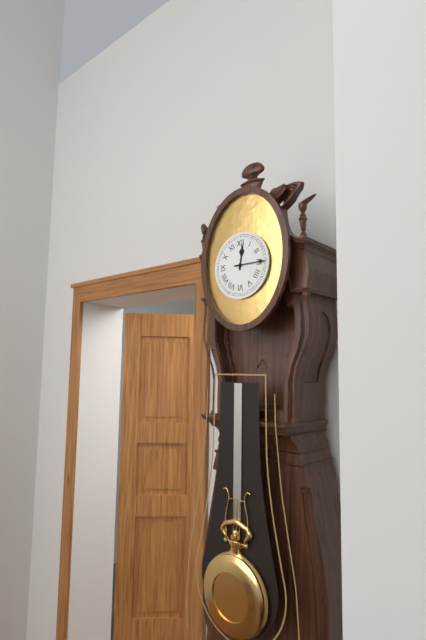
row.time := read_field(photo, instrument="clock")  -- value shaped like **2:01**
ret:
**12:15**
